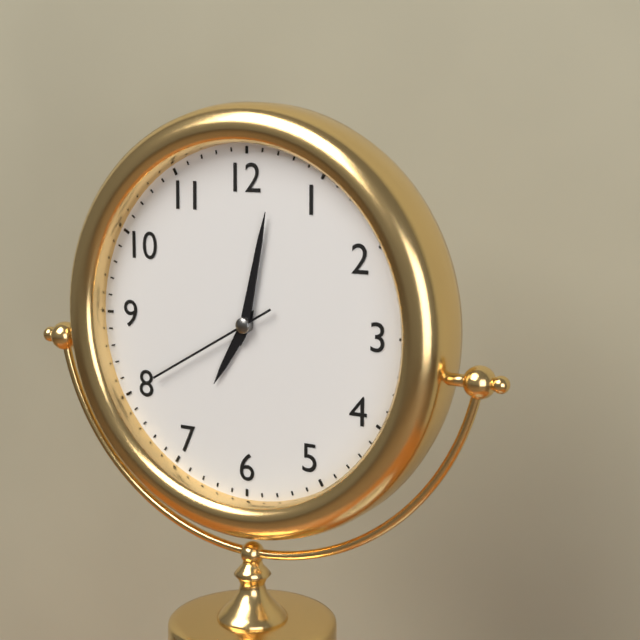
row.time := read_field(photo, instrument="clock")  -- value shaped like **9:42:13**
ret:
**7:02:40**
